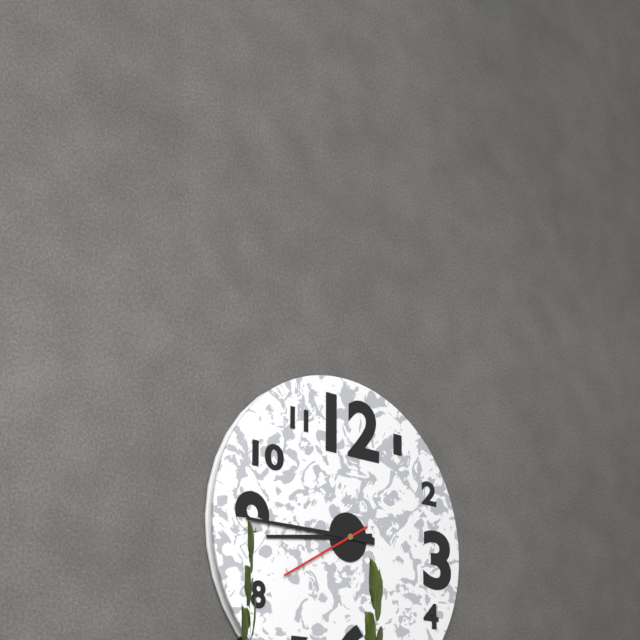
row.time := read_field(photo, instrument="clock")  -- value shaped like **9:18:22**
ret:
**8:45:40**
